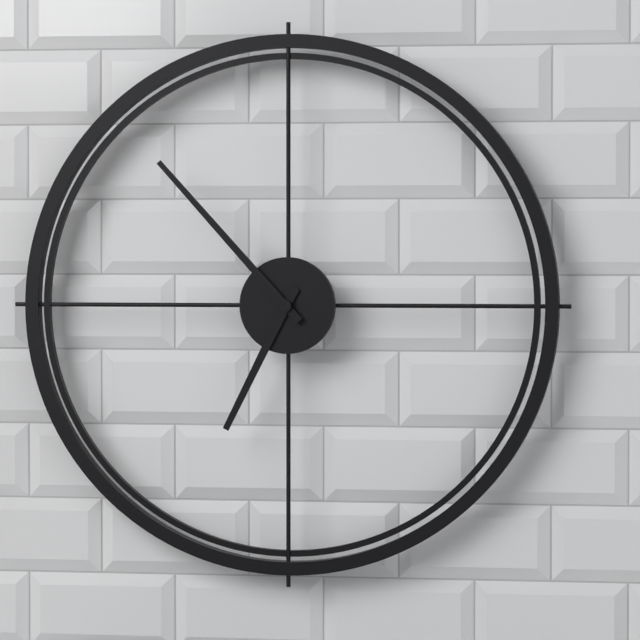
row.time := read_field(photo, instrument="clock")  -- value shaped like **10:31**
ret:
**6:53**
